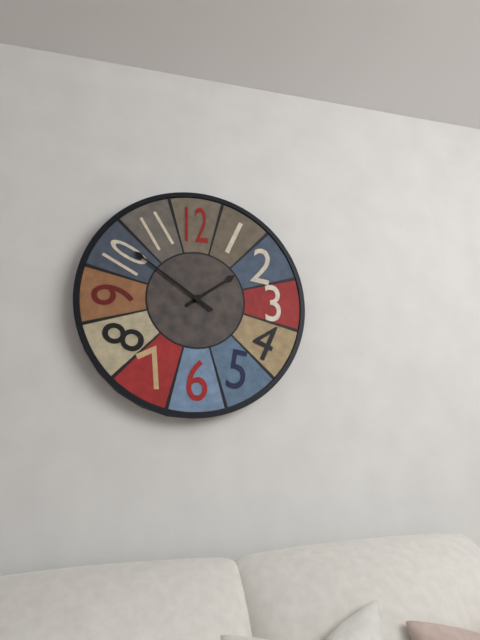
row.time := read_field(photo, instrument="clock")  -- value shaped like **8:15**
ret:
**1:51**
